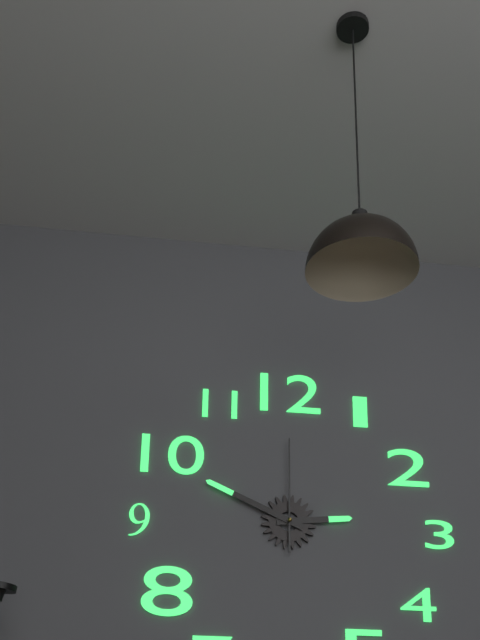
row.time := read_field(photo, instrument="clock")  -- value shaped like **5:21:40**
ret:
**2:49:00**
